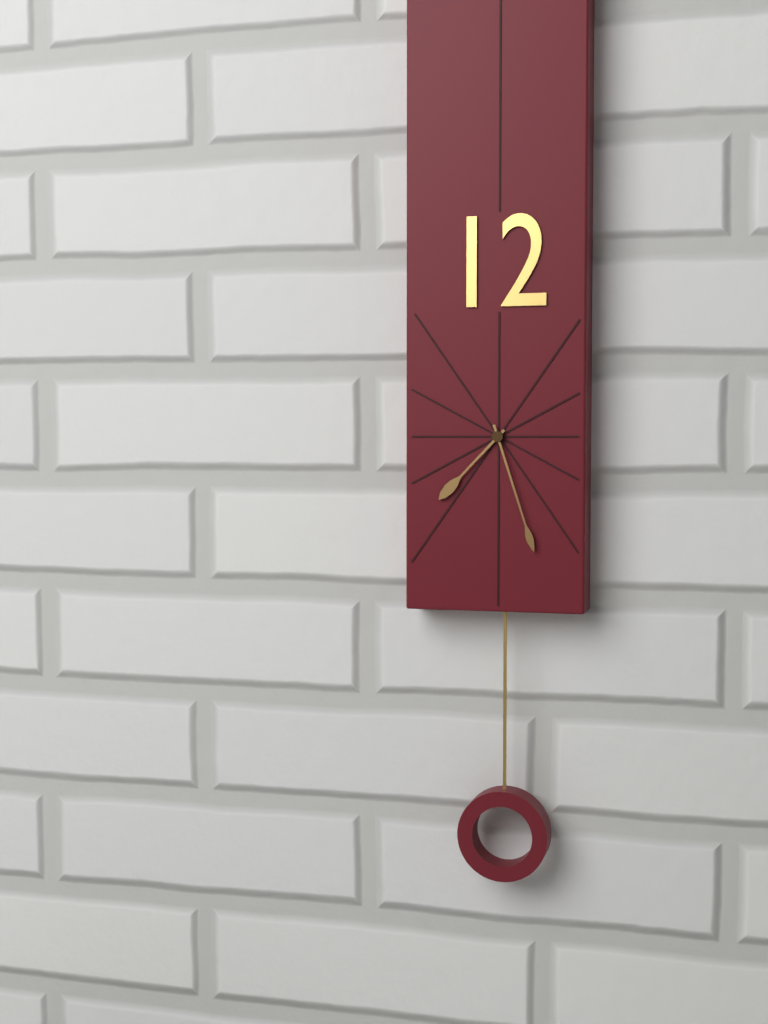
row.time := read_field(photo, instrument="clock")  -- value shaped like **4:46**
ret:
**7:27**
